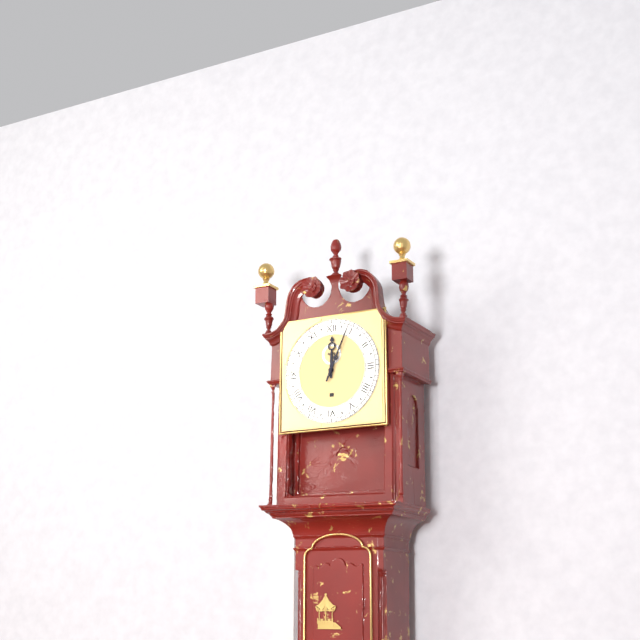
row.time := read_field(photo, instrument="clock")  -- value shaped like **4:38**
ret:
**12:04**
